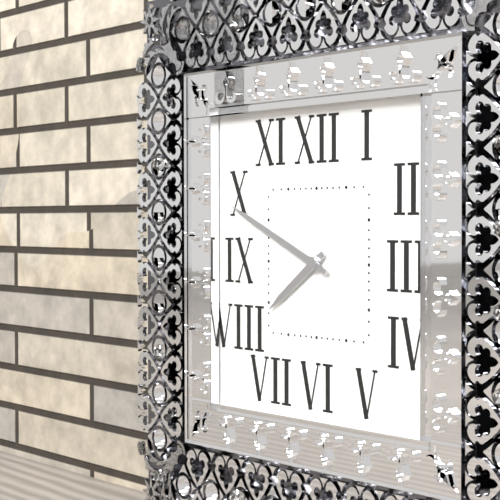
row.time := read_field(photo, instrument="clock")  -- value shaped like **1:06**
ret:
**7:49**
